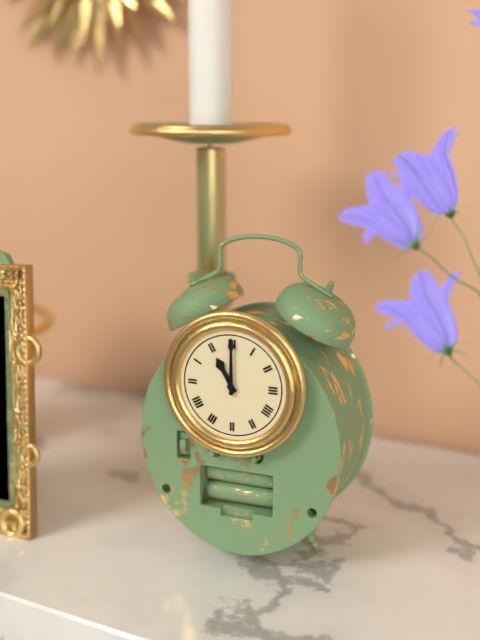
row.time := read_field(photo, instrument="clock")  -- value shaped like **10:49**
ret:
**11:00**
